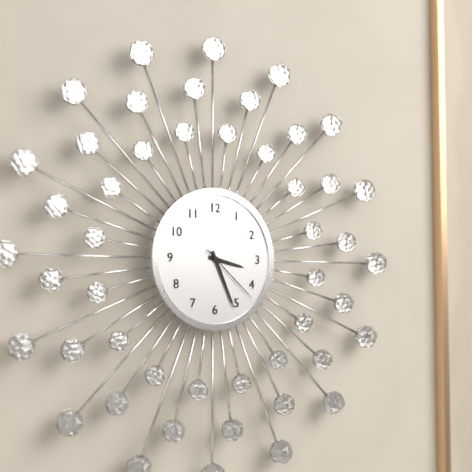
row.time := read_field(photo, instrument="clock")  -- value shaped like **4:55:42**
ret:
**3:26:22**
